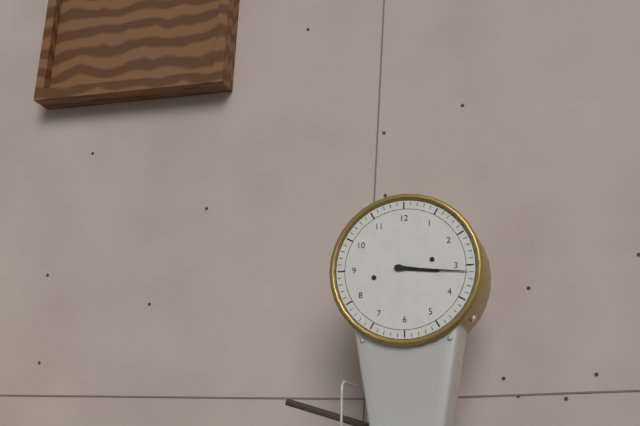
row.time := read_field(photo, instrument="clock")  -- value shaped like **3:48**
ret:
**3:16**
